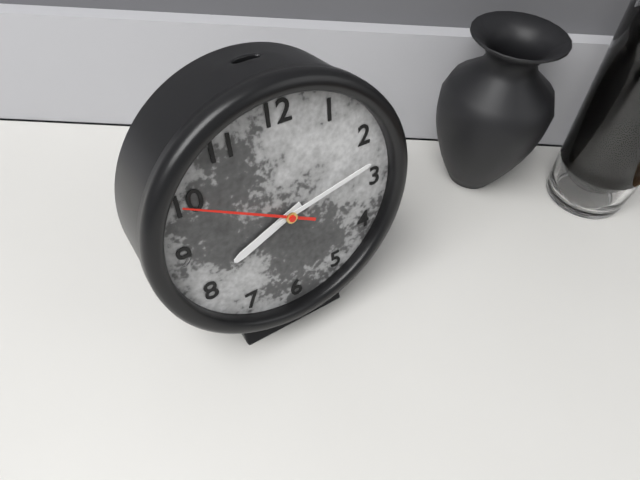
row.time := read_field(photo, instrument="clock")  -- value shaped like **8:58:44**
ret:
**8:13:50**
